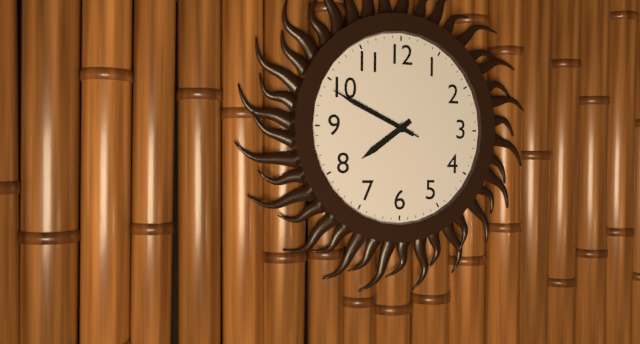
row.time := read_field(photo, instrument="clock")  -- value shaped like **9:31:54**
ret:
**7:49:49**
